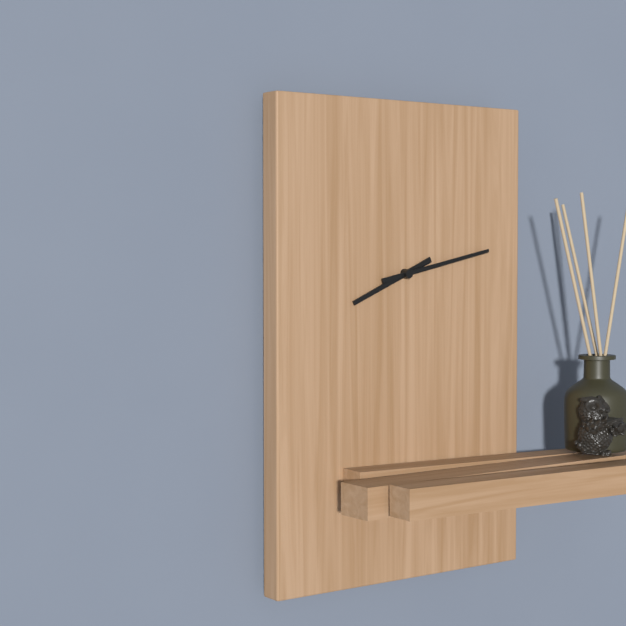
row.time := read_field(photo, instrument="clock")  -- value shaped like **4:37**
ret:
**8:13**
